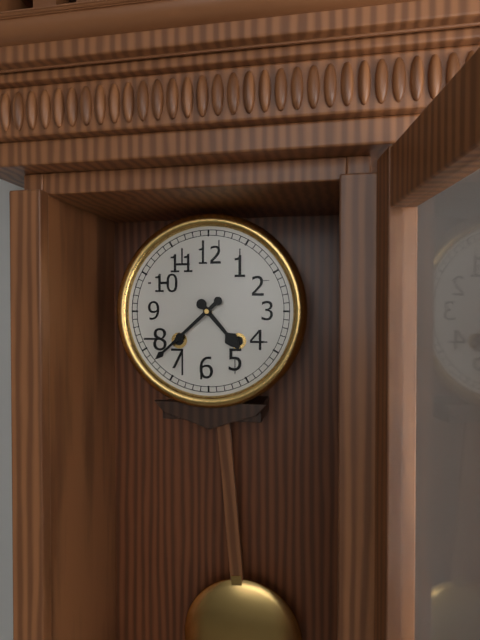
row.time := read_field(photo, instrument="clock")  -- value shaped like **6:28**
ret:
**4:38**
